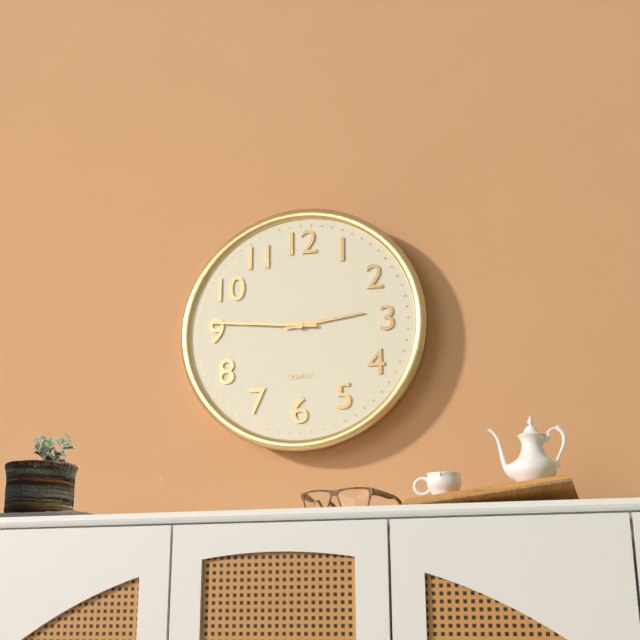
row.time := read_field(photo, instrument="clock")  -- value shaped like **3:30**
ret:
**2:46**
